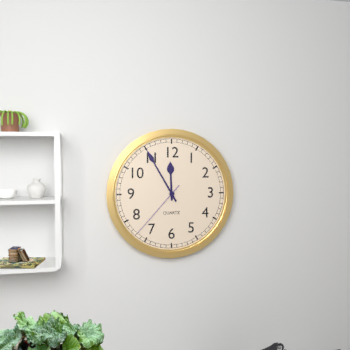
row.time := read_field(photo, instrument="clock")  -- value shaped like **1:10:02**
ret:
**11:55:37**
